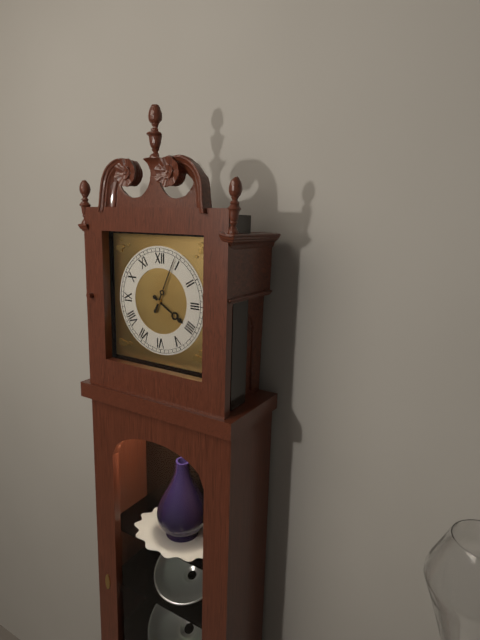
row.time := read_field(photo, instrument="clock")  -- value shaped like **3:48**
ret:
**4:04**
